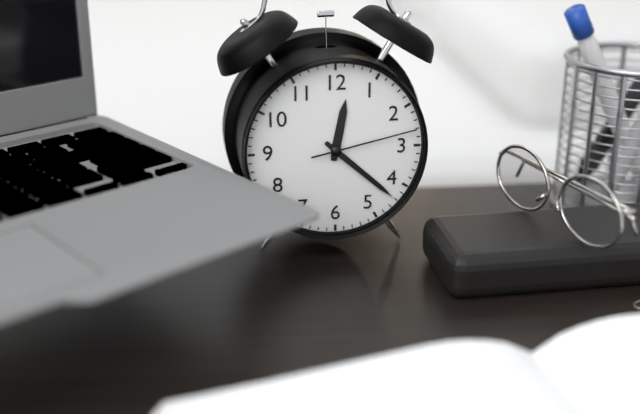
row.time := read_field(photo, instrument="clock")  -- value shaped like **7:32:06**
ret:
**12:22:13**
